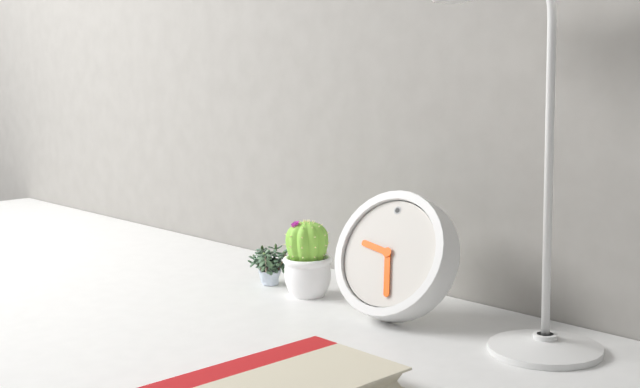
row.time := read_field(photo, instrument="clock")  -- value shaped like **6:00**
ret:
**9:28**
